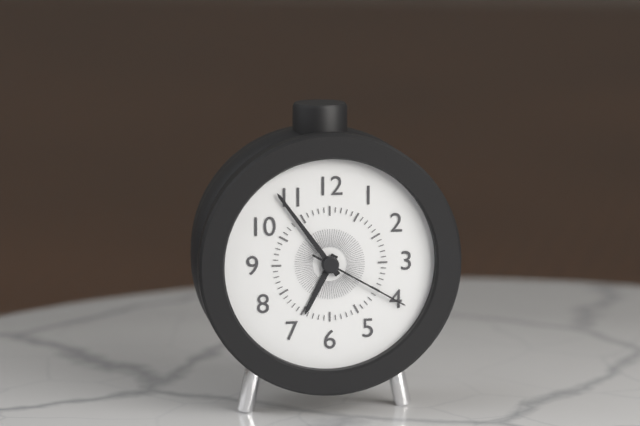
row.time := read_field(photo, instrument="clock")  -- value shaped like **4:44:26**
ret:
**6:54:20**
